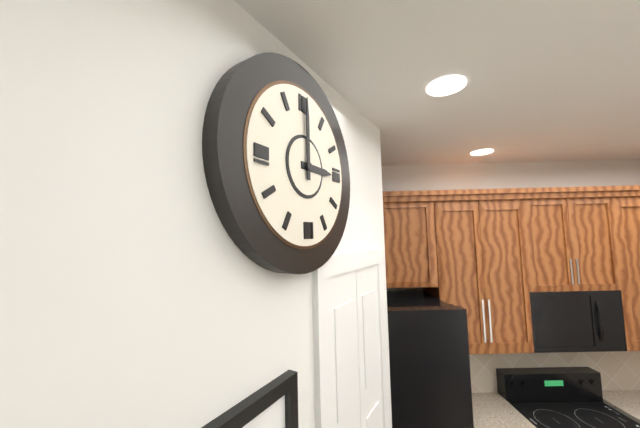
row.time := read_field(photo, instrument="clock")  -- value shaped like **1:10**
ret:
**3:00**
